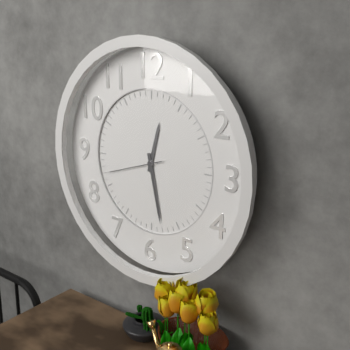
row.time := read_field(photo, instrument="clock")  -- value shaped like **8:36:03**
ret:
**12:28:42**
